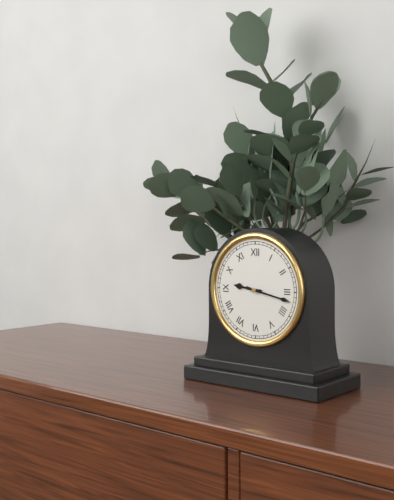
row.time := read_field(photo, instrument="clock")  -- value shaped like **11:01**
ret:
**9:17**
